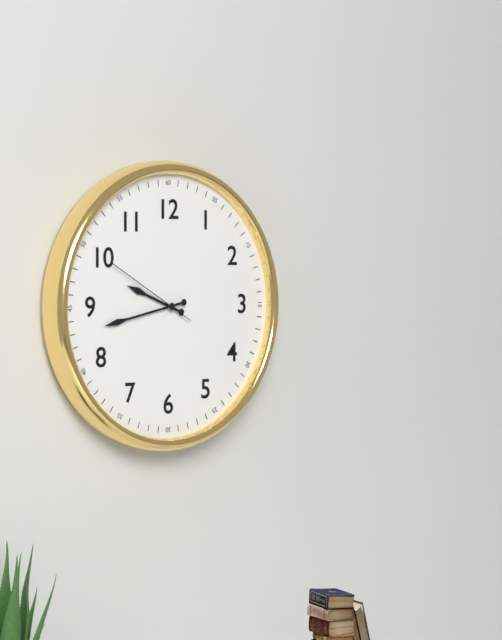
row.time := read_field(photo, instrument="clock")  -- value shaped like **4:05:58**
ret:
**9:43:50**
